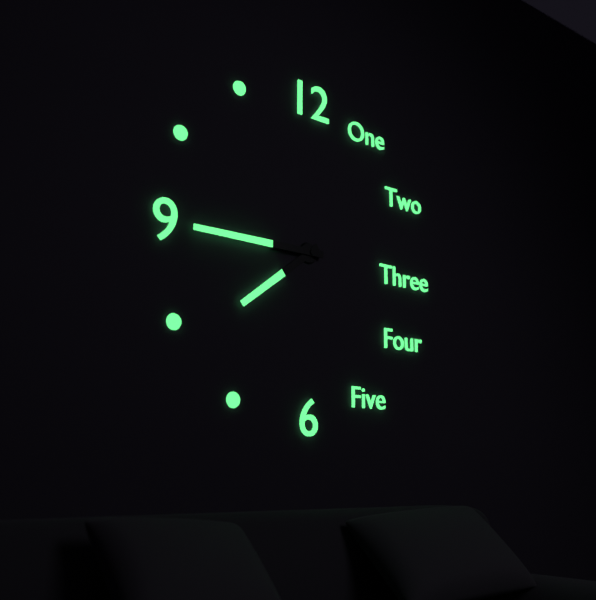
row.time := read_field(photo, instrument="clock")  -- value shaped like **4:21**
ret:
**7:45**
